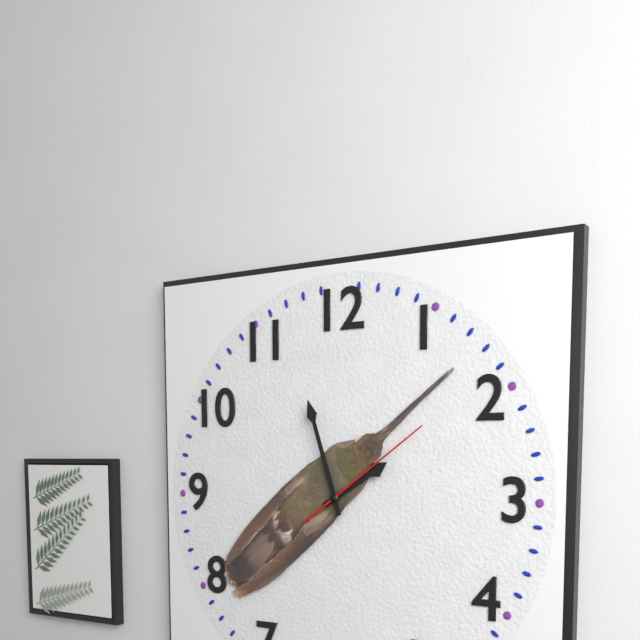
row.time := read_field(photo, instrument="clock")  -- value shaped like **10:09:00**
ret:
**1:57:09**
